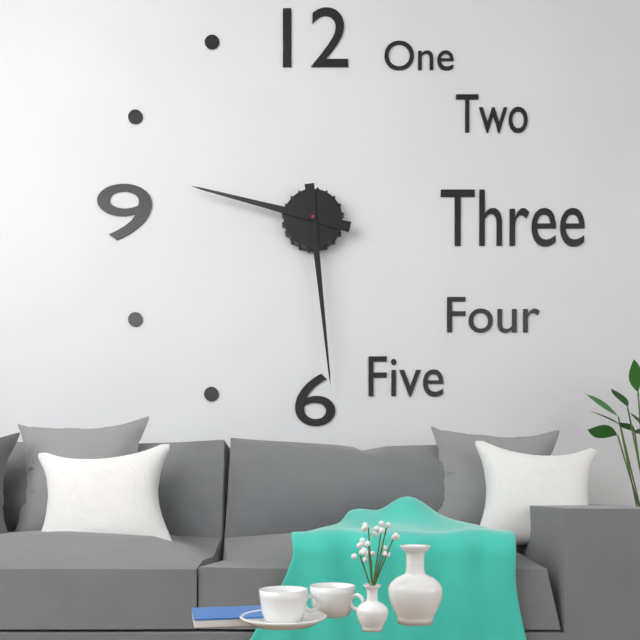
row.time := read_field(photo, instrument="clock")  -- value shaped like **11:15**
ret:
**9:29**
